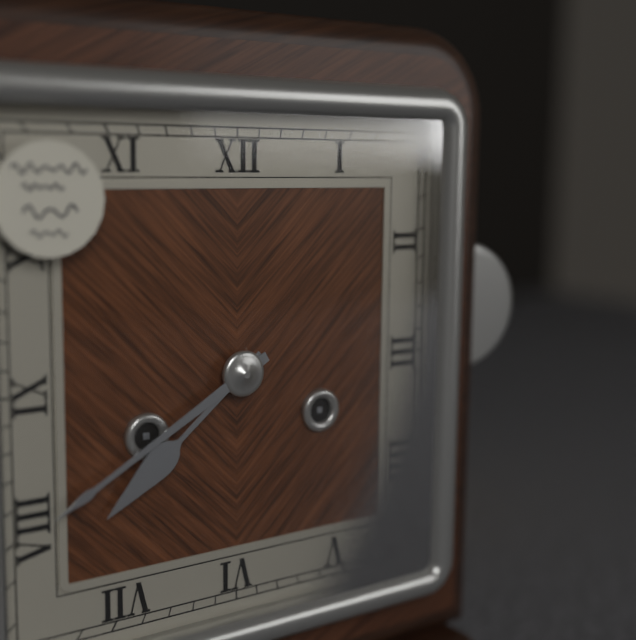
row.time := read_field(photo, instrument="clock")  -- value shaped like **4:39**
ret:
**7:40**
